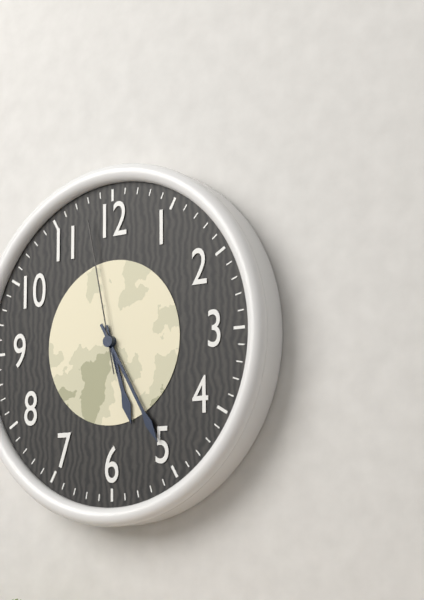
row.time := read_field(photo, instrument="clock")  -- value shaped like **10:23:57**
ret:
**5:25:58**
